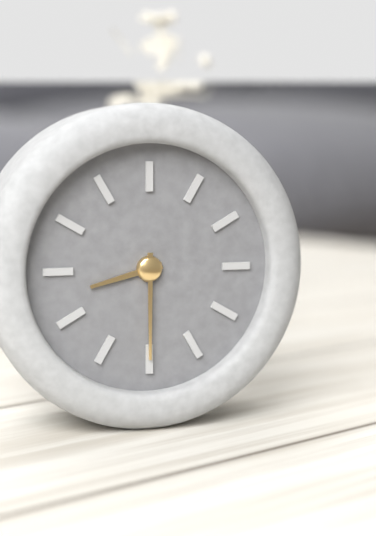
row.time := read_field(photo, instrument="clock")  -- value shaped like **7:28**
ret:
**8:30**
